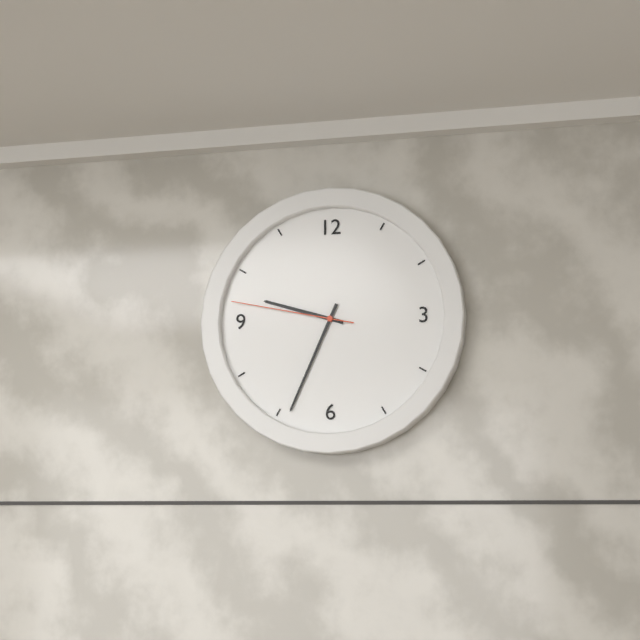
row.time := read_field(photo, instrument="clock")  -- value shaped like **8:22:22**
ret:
**9:34:47**
